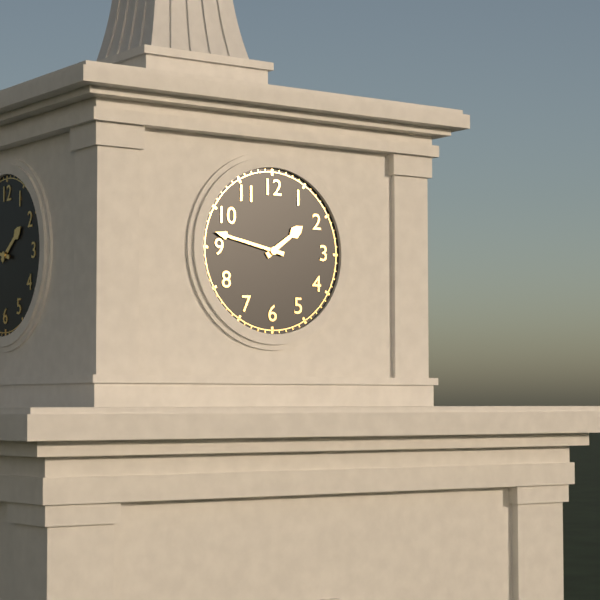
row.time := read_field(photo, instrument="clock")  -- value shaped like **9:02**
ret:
**1:47**
